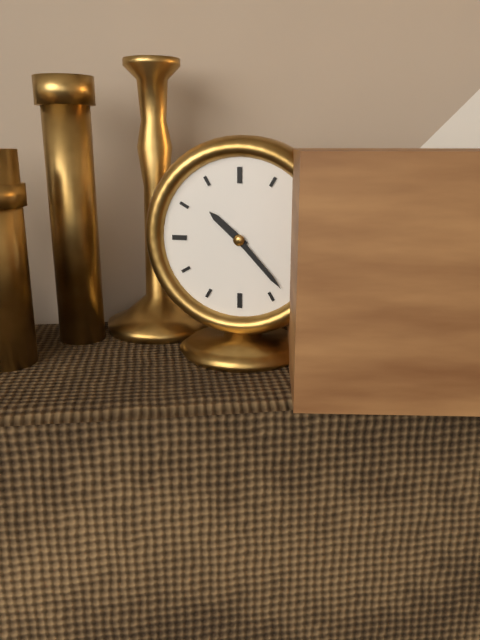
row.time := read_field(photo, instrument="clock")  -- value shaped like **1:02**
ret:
**10:23**
